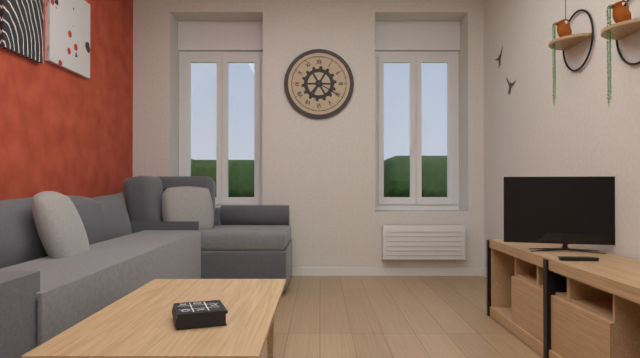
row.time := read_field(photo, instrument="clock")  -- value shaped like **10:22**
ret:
**7:20**
